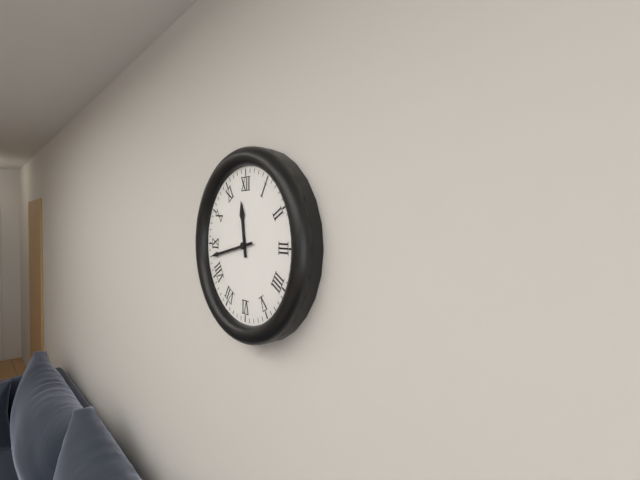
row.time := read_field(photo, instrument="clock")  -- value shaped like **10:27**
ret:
**11:43**
